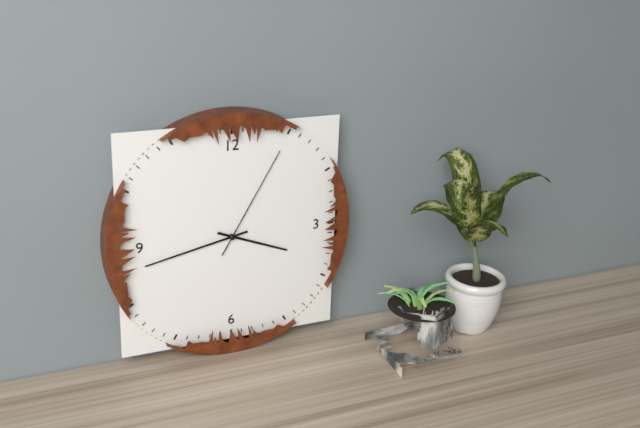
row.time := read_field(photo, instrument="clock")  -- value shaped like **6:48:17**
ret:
**3:43:05**
